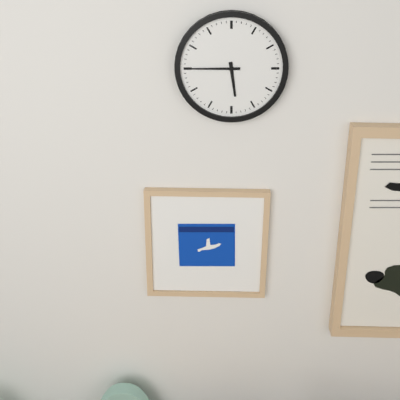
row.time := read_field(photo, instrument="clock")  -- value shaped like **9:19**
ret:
**5:45**
